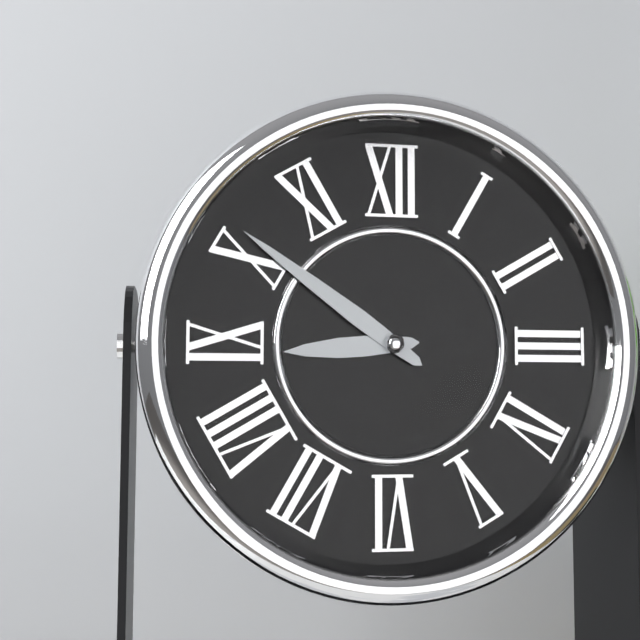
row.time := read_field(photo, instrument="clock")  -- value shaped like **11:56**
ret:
**8:51**
